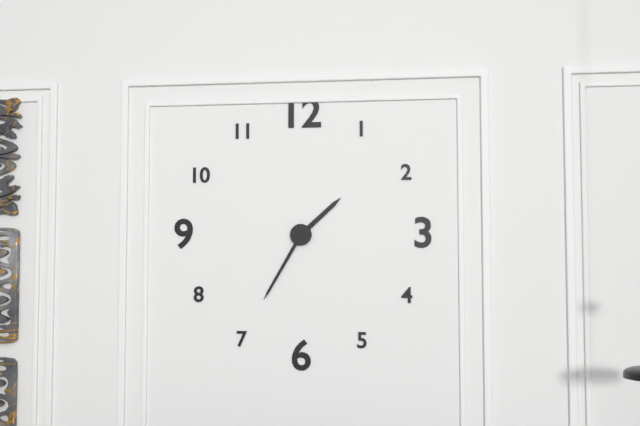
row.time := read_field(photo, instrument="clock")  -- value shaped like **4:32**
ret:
**1:35**
